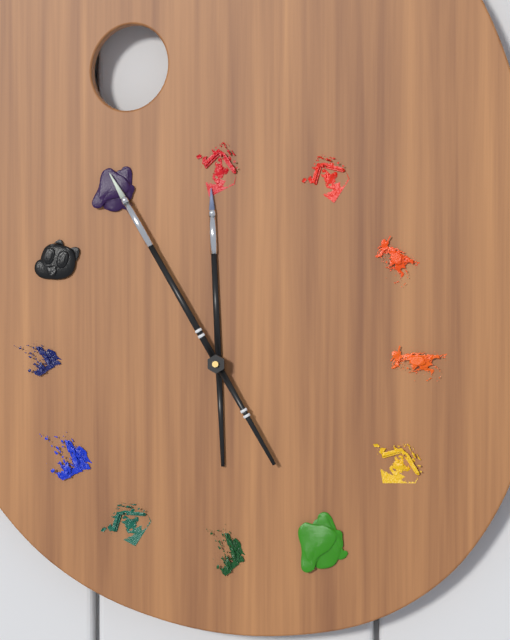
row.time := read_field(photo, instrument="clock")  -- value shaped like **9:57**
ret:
**11:55**
